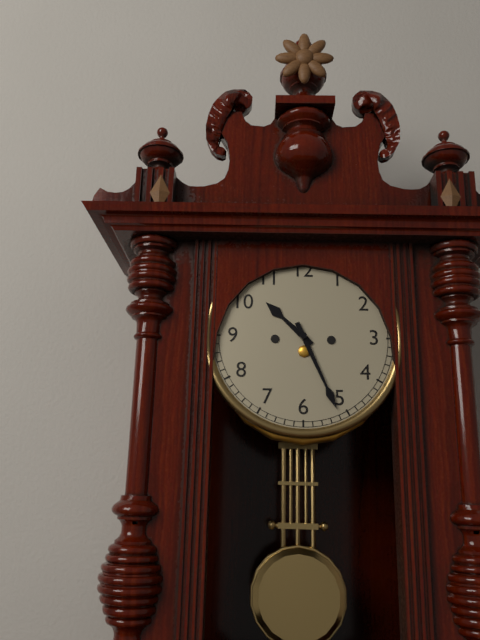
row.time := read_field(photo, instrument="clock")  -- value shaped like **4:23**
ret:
**10:26**
